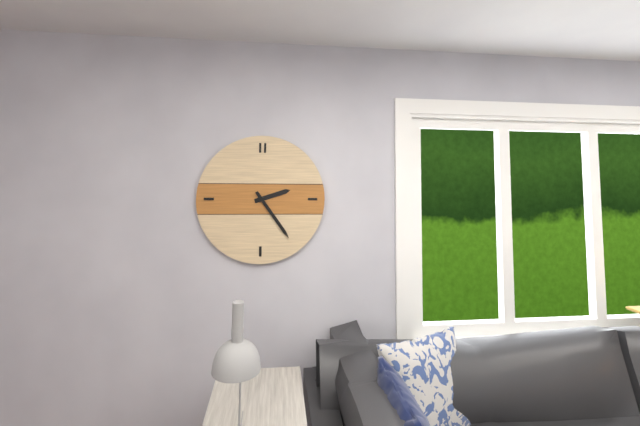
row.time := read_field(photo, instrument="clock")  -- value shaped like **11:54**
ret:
**2:24**
